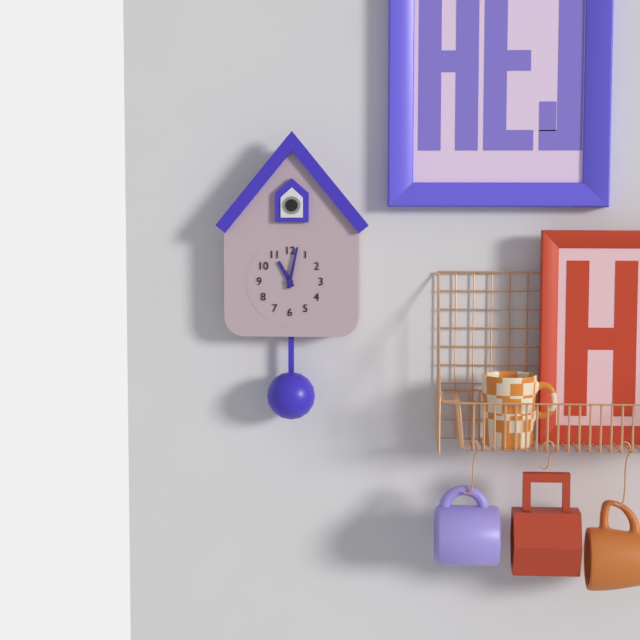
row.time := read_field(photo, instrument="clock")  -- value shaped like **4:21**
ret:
**11:02**
